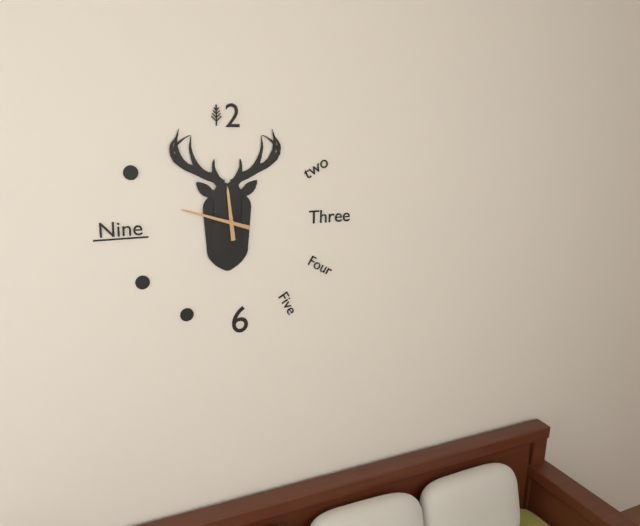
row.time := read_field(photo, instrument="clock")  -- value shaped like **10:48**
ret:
**11:48**
